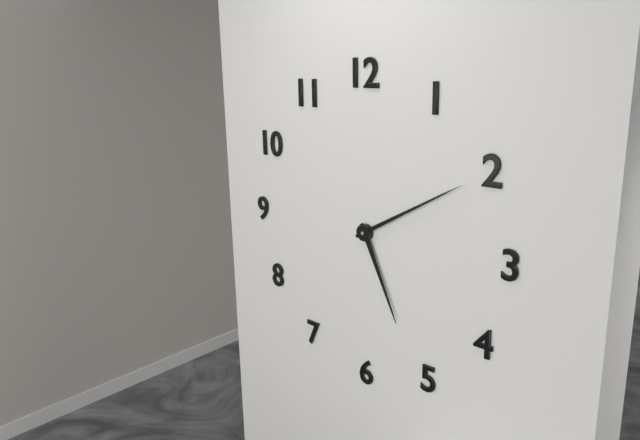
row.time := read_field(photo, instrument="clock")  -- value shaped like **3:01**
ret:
**5:10**
